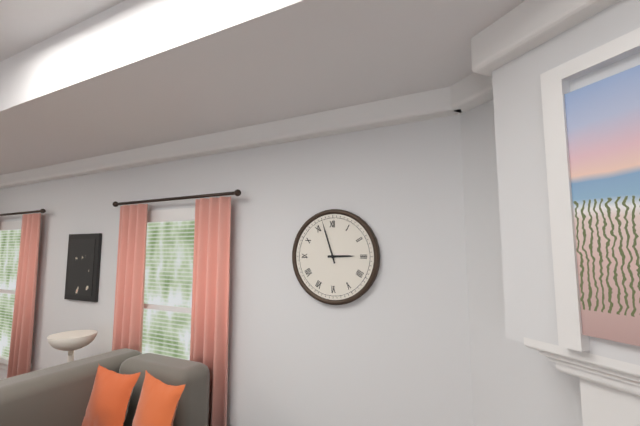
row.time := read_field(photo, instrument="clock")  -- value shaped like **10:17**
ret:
**2:57**
